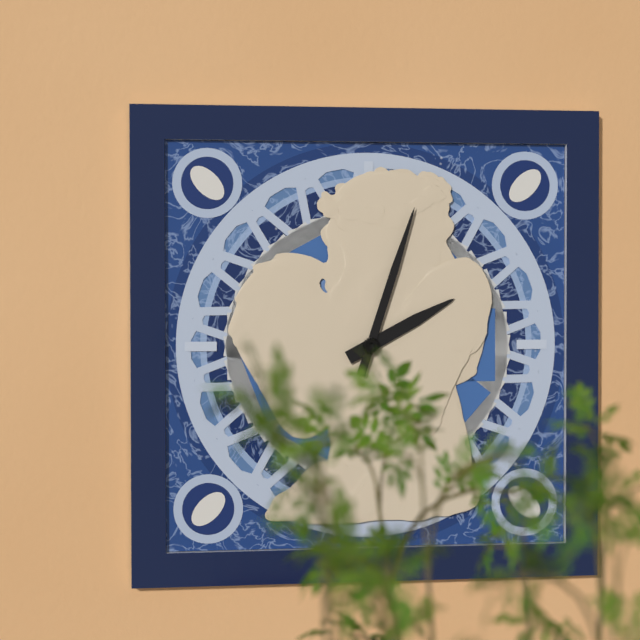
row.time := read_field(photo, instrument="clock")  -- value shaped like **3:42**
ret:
**2:03**
